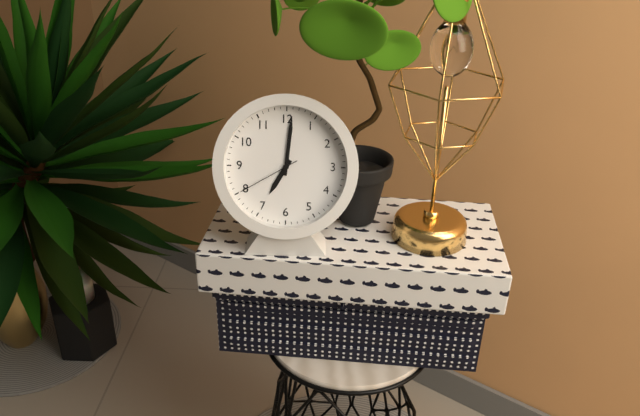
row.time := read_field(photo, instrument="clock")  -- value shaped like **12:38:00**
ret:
**7:01:40**
